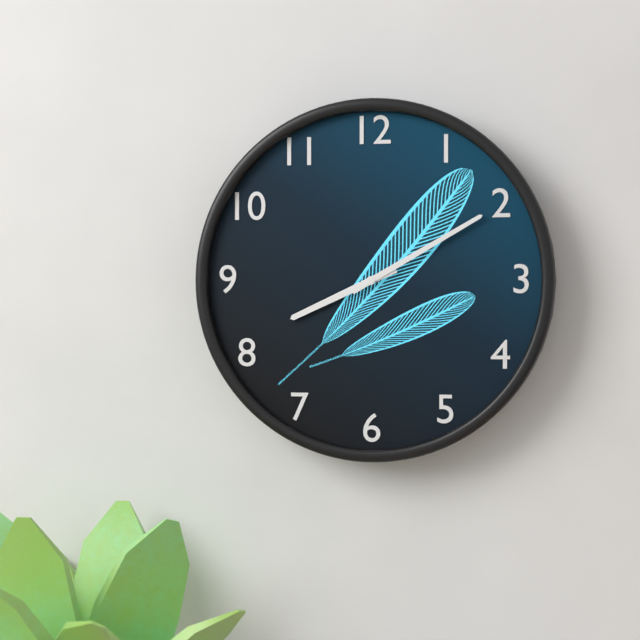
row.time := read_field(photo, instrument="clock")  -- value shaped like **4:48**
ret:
**8:10**
